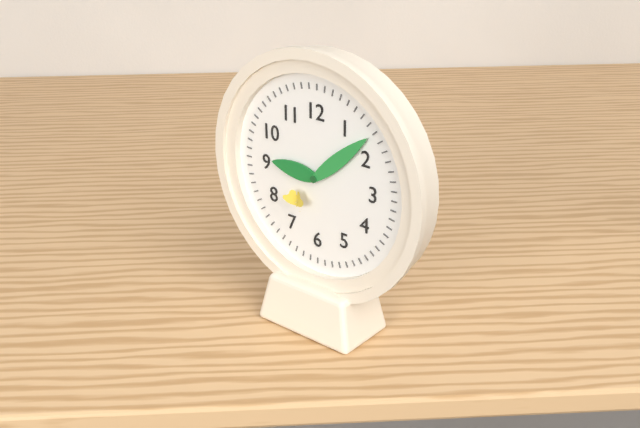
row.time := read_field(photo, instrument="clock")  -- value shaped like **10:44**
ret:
**9:08**
